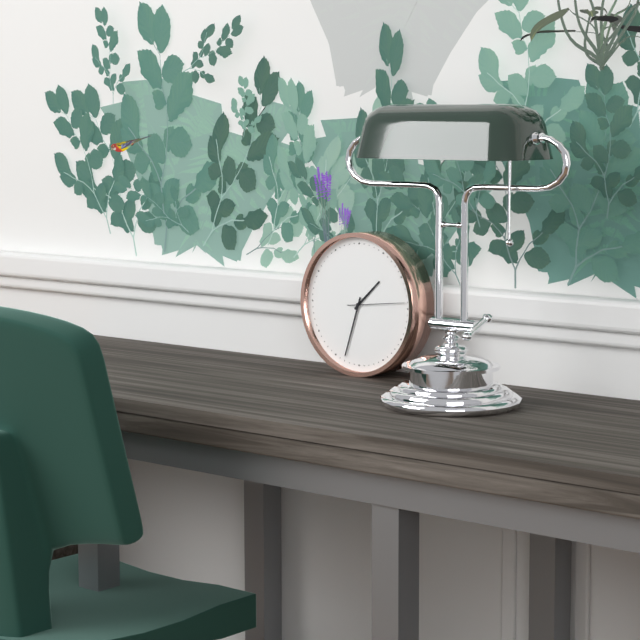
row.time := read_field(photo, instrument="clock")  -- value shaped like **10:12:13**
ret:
**1:33:14**
